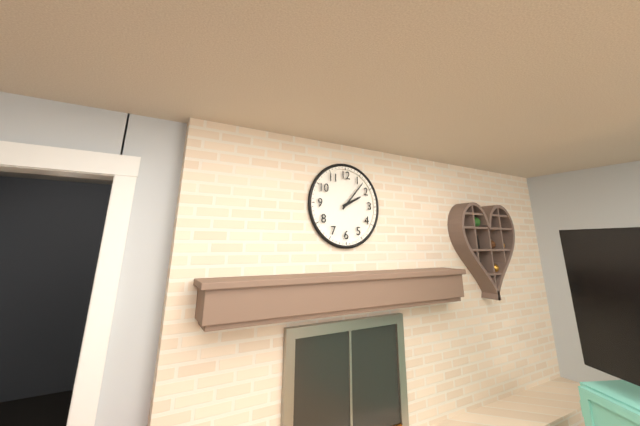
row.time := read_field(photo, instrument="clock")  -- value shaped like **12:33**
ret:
**2:07**
